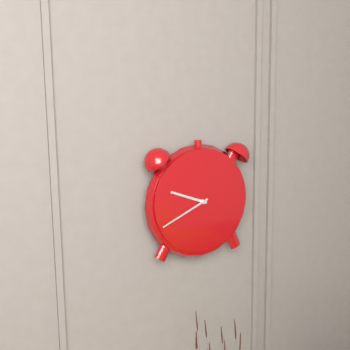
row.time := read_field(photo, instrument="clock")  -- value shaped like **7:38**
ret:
**9:41**
